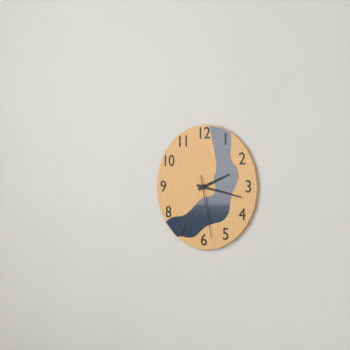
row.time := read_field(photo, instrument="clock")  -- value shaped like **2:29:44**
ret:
**2:17:28**
